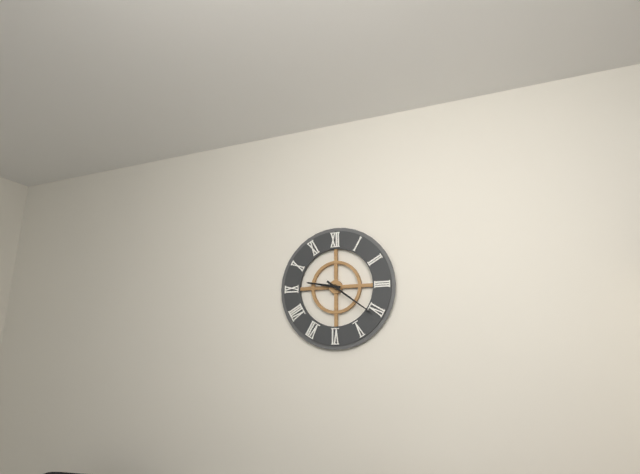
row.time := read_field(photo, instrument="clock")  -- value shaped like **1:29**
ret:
**9:21**
